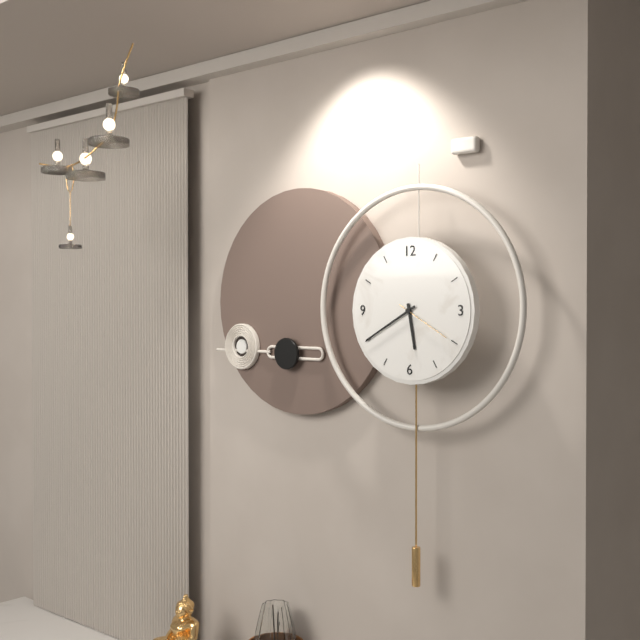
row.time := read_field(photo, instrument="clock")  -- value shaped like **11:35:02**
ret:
**5:40:20**
